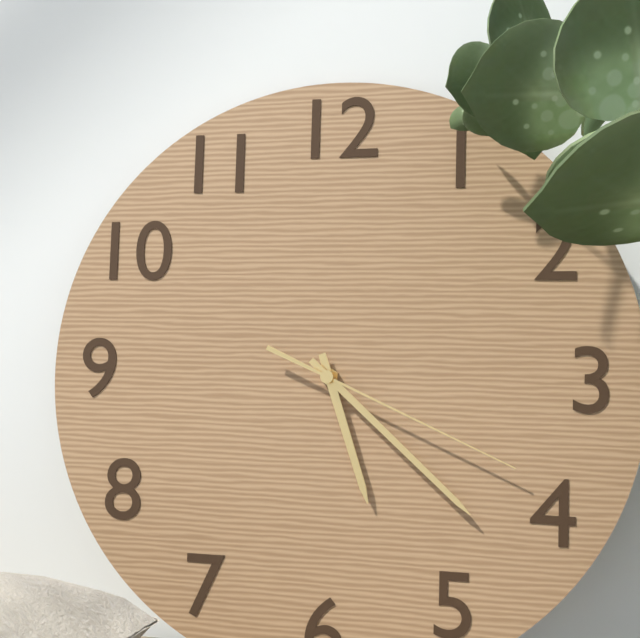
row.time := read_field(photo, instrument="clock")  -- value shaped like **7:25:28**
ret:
**5:22:19**
